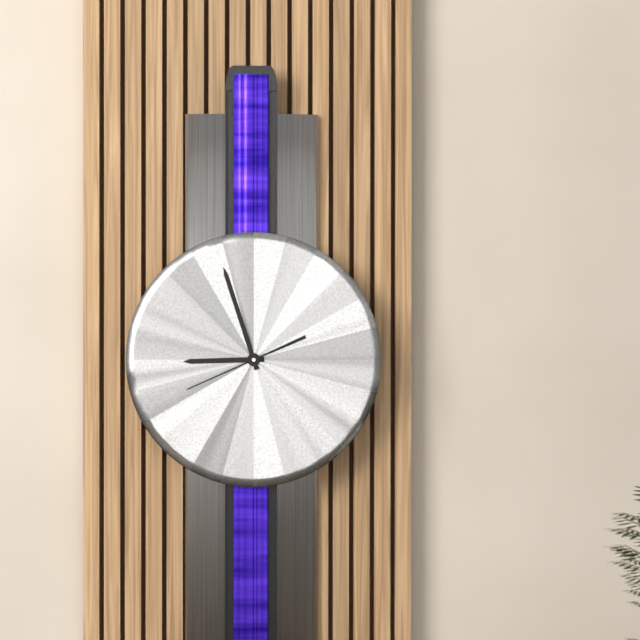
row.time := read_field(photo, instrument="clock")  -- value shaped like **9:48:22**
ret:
**8:57:41**
